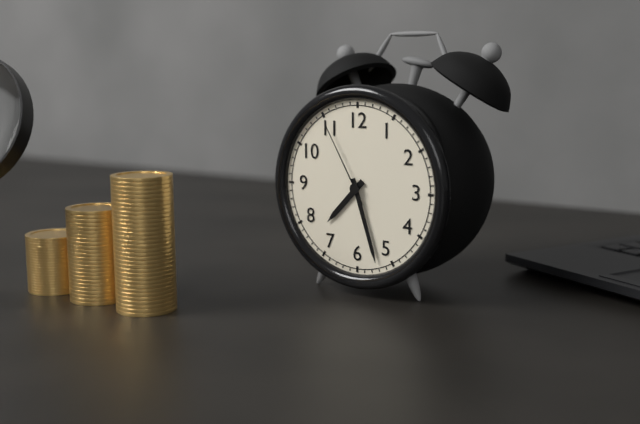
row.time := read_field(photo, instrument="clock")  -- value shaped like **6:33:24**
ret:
**7:27:55**
